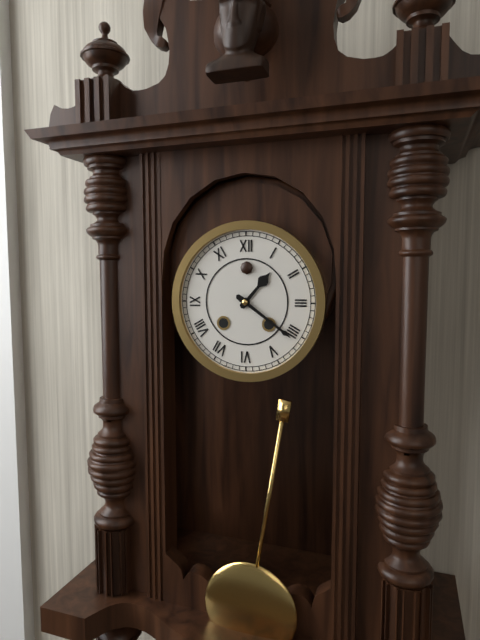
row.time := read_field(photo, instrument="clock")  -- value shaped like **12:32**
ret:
**1:21**
